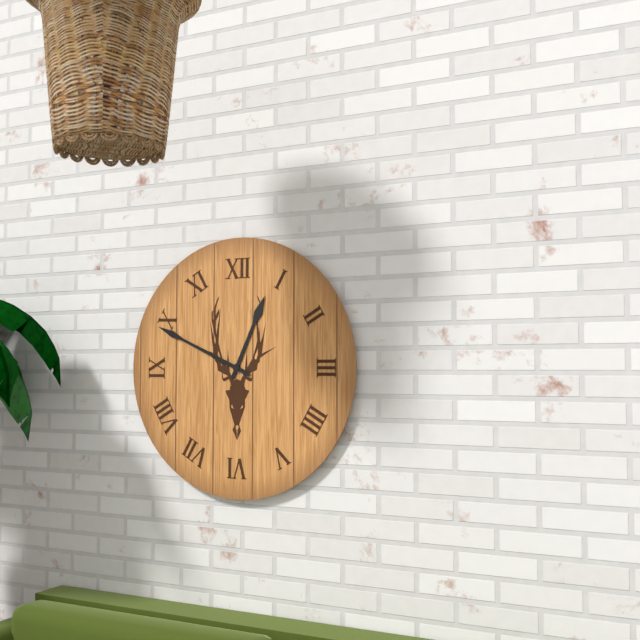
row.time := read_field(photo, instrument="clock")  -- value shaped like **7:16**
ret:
**12:49**
